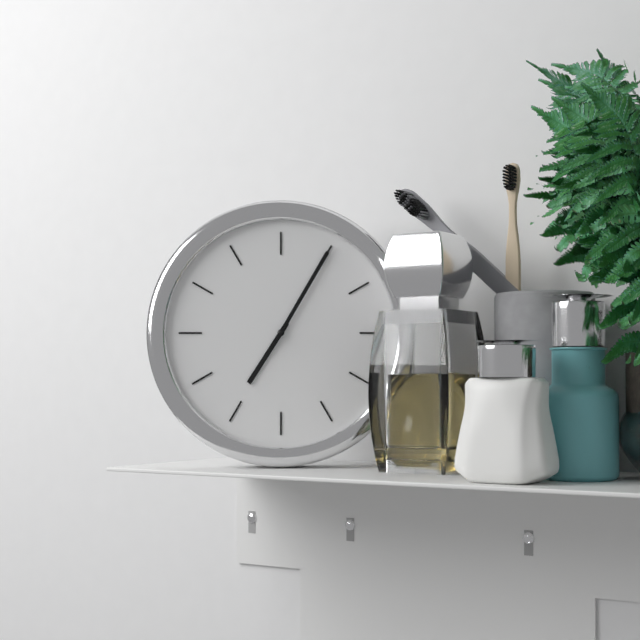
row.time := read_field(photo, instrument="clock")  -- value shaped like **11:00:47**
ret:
**7:05:05**
